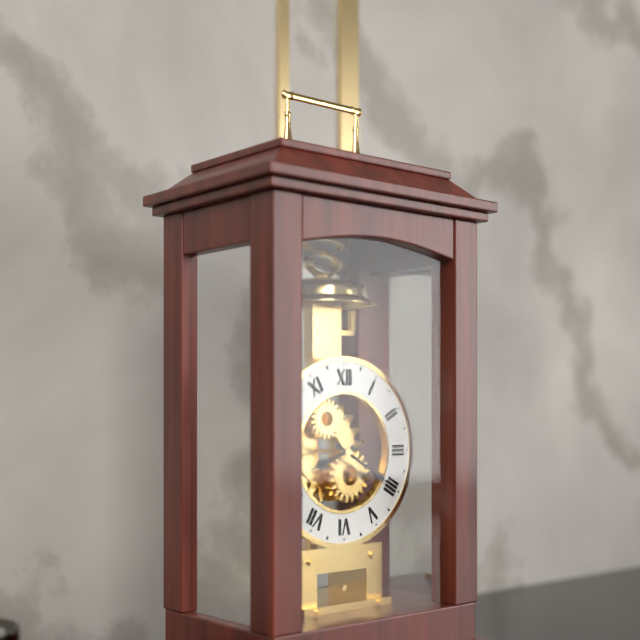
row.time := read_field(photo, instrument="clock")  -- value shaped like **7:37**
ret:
**8:20**
